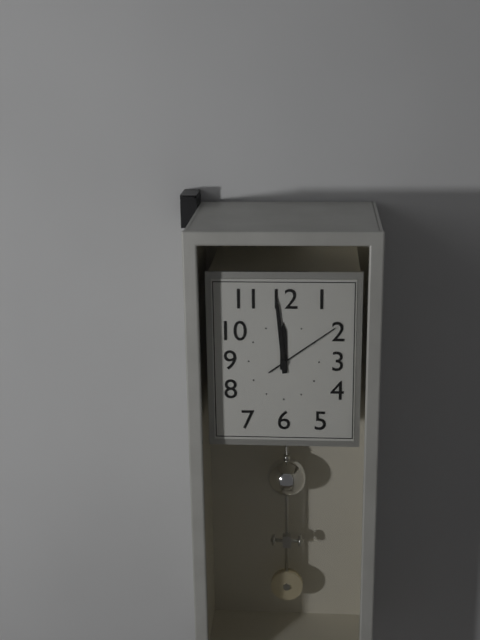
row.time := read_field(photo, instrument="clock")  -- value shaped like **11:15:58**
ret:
**11:59:09**
